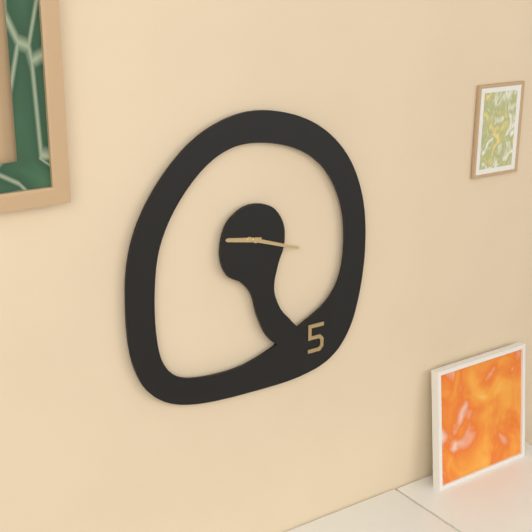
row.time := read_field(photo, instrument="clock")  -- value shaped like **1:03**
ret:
**9:18**
